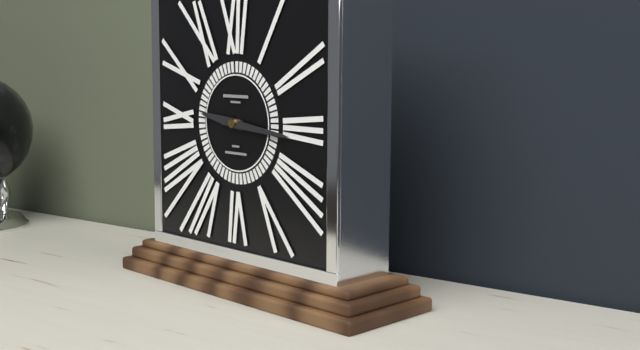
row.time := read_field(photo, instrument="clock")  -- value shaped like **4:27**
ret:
**9:16**
